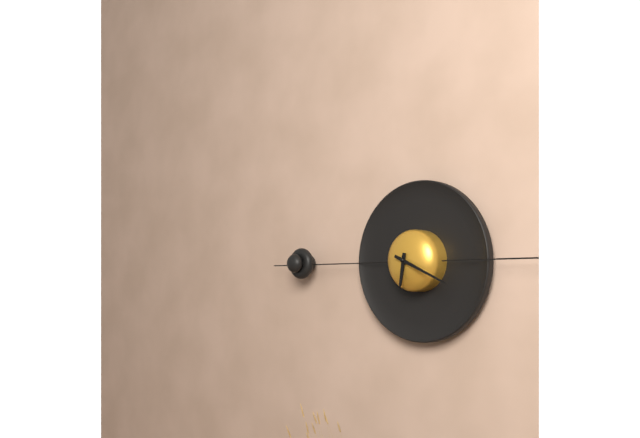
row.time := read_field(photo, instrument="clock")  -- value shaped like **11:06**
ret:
**6:19**
